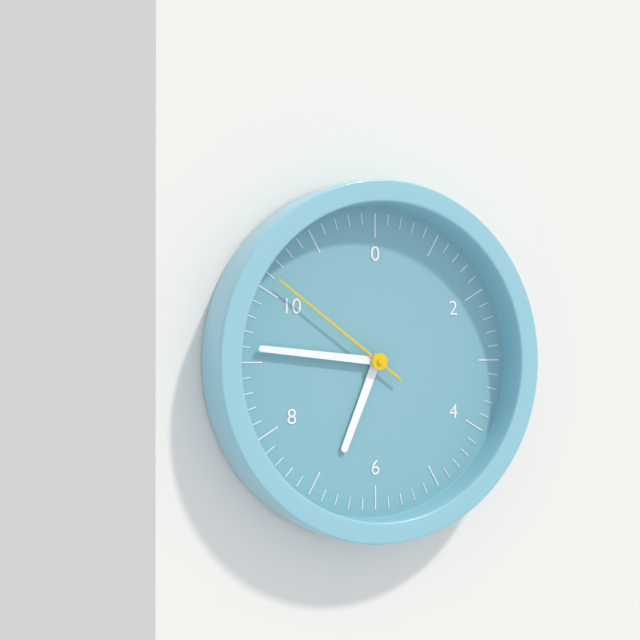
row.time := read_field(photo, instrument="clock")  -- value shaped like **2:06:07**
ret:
**6:46:51**
